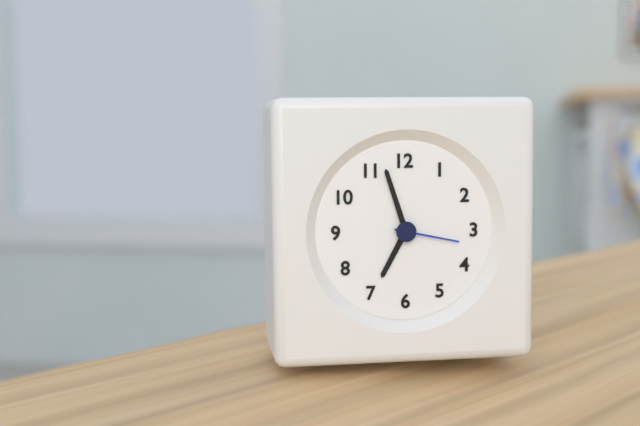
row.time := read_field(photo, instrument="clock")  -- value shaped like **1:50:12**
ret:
**6:57:17**
